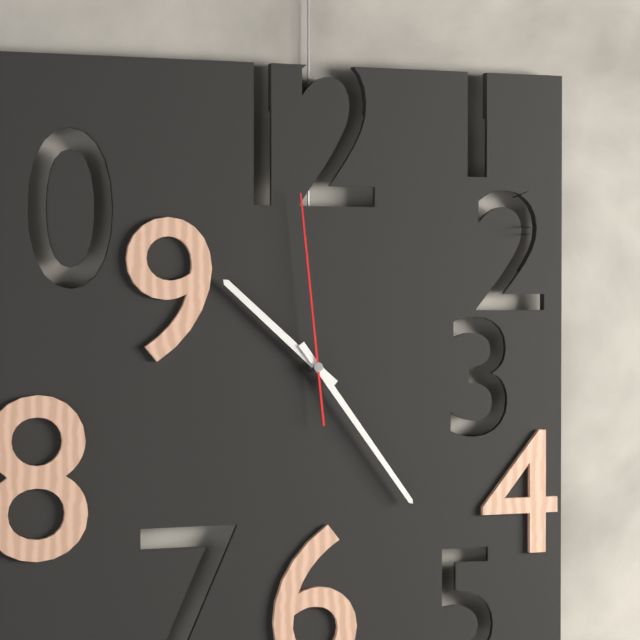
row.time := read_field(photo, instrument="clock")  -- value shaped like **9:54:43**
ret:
**10:24:59**
